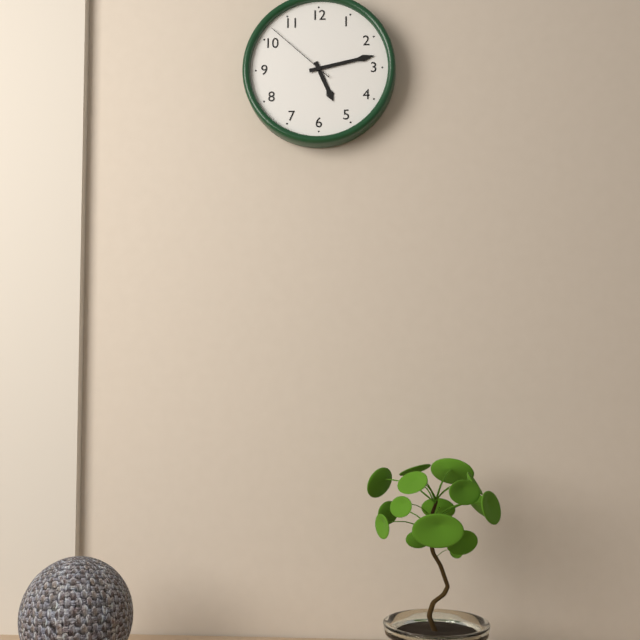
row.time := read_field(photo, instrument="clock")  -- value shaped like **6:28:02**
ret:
**5:13:52**
